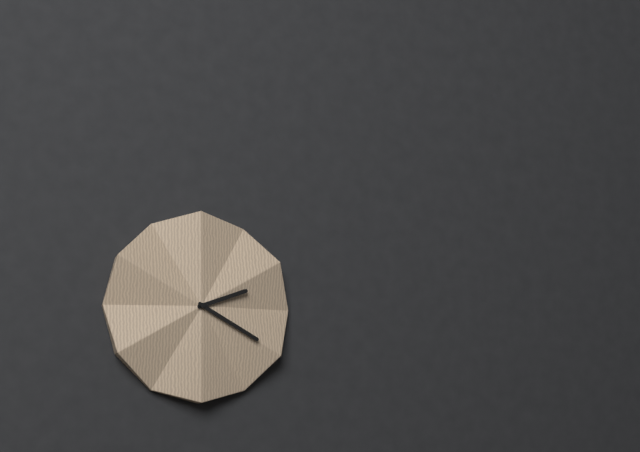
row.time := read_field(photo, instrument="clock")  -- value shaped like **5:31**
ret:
**2:20**
